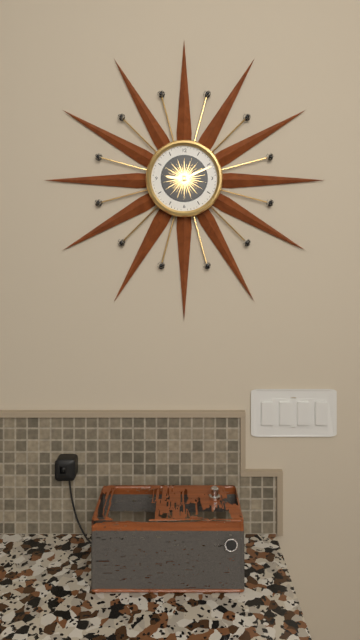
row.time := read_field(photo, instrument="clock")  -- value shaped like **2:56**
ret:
**9:11**
